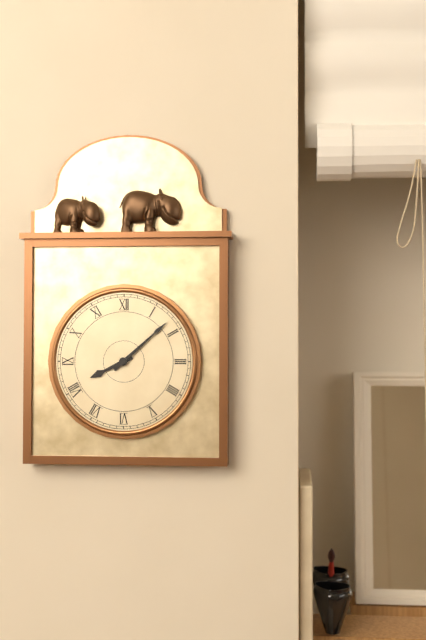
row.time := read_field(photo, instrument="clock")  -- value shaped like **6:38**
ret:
**8:08**
